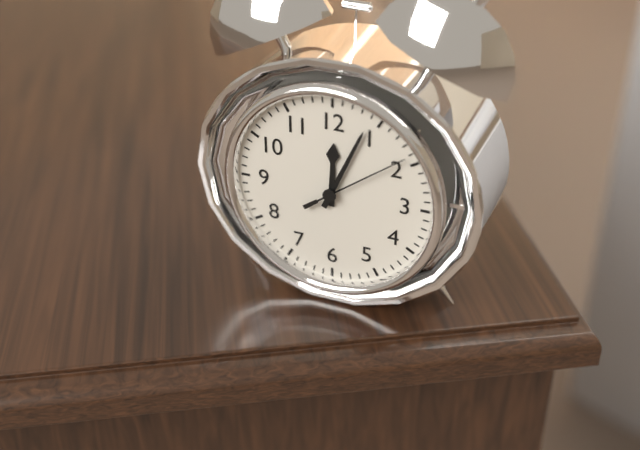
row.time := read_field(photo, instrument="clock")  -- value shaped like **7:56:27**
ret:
**12:04:09**
